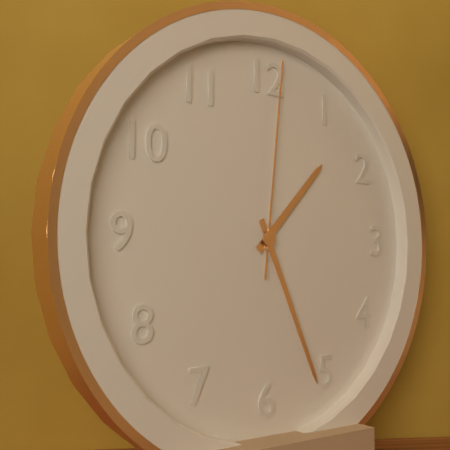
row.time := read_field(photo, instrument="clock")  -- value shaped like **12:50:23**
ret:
**1:26:01**
